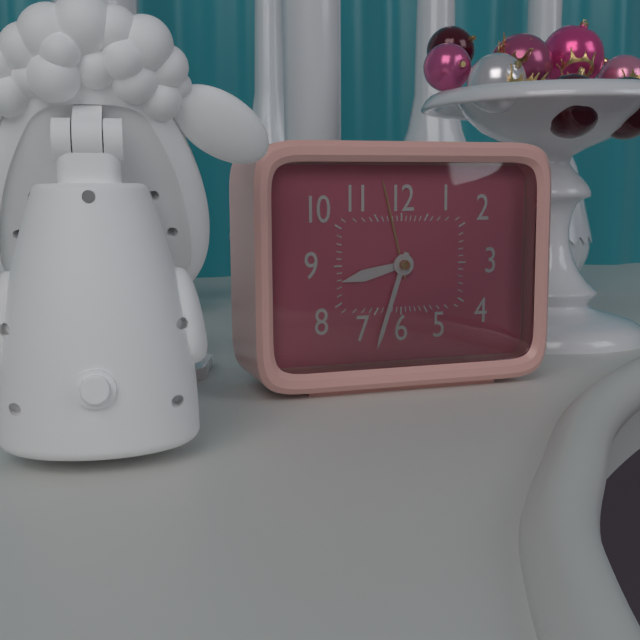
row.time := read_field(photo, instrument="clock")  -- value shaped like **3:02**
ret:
**8:33**
